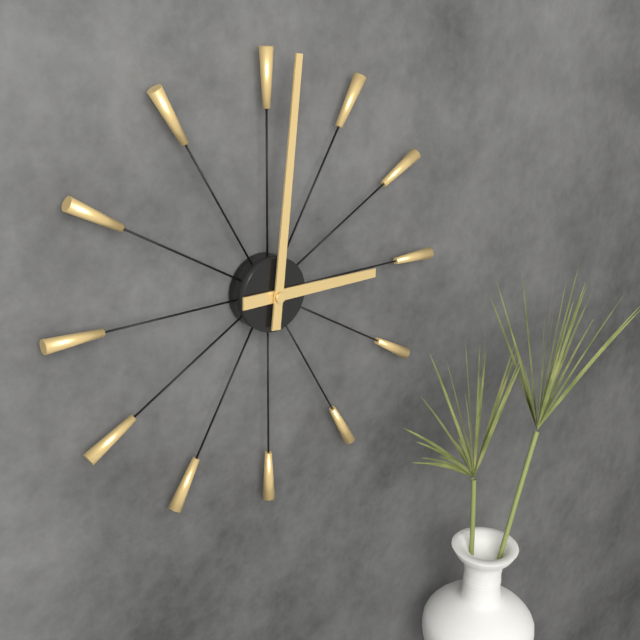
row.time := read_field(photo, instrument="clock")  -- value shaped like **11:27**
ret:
**3:01**
